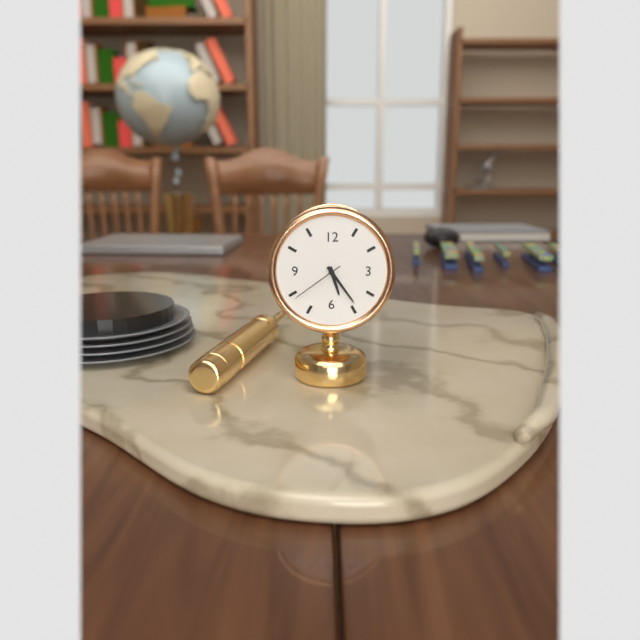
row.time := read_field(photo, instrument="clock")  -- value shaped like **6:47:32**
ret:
**5:24:39**
